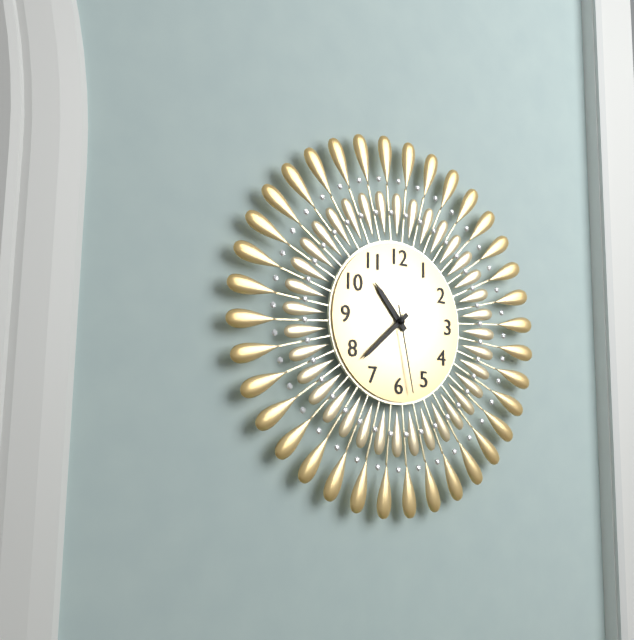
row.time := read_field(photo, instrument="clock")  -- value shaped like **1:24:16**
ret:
**10:38:28**
